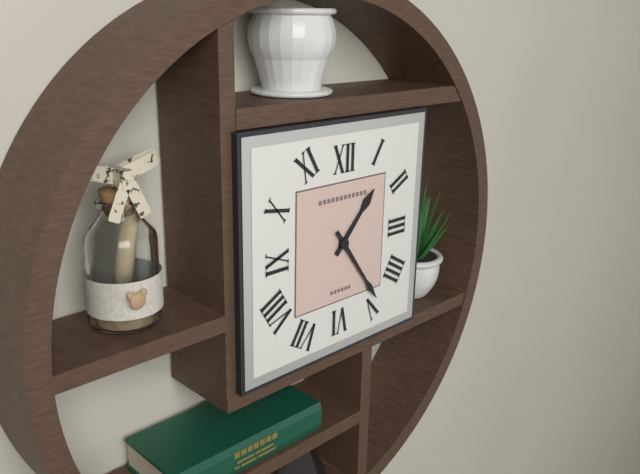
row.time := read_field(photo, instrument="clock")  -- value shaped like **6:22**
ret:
**1:24**
